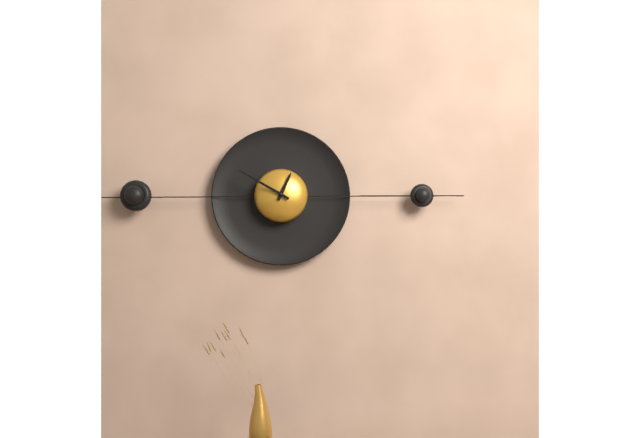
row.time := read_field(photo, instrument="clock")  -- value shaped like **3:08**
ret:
**12:50**
